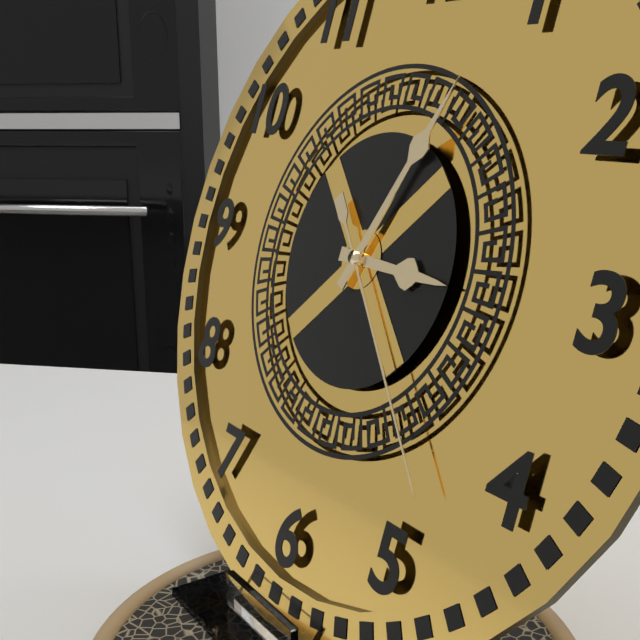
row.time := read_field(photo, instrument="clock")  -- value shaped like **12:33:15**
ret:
**3:04:23**
